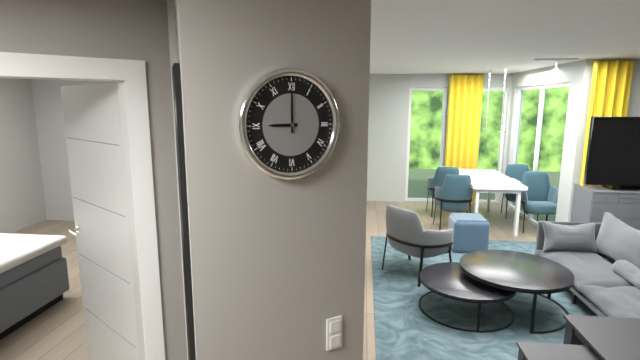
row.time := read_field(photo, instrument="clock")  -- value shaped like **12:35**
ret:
**9:00**
